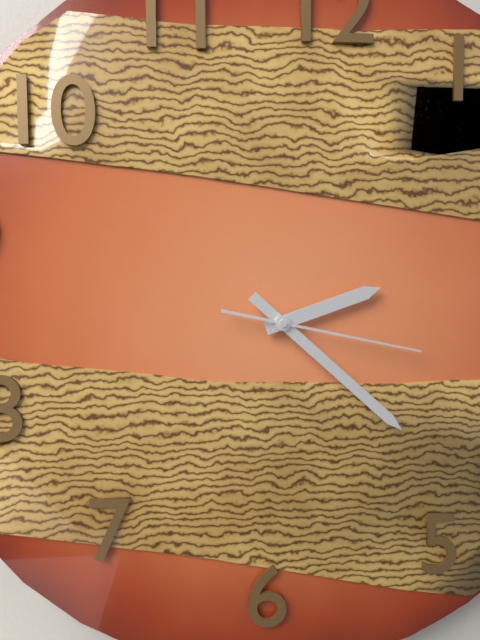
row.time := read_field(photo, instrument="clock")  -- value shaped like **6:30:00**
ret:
**2:22:17**
